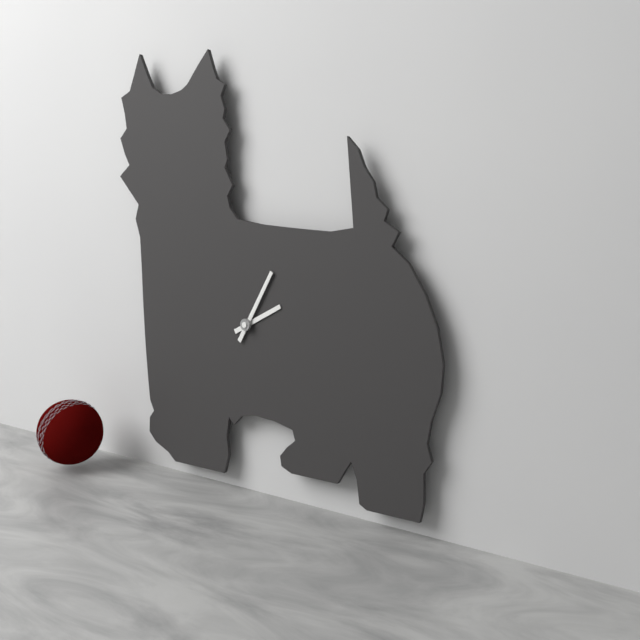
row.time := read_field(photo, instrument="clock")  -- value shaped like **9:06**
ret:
**2:05**
